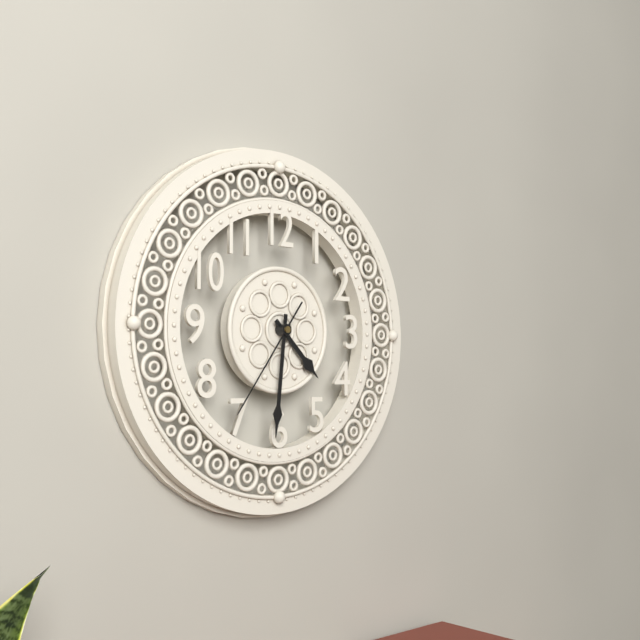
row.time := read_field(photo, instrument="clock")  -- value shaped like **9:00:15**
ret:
**4:31:36**
